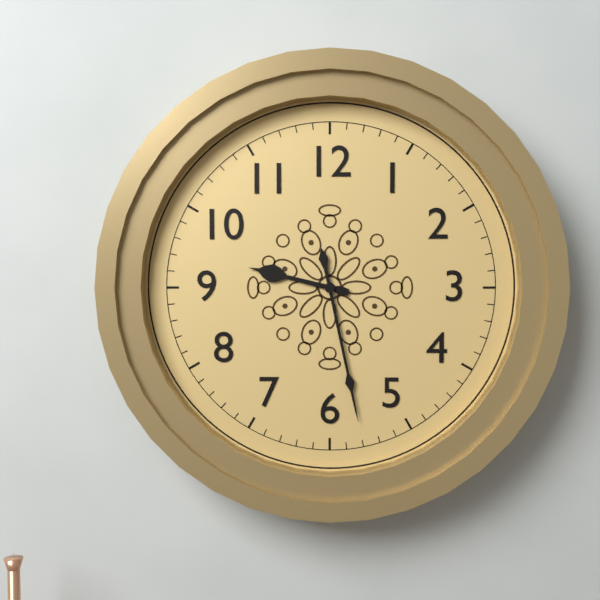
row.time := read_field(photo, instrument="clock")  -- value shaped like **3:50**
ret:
**9:28**
